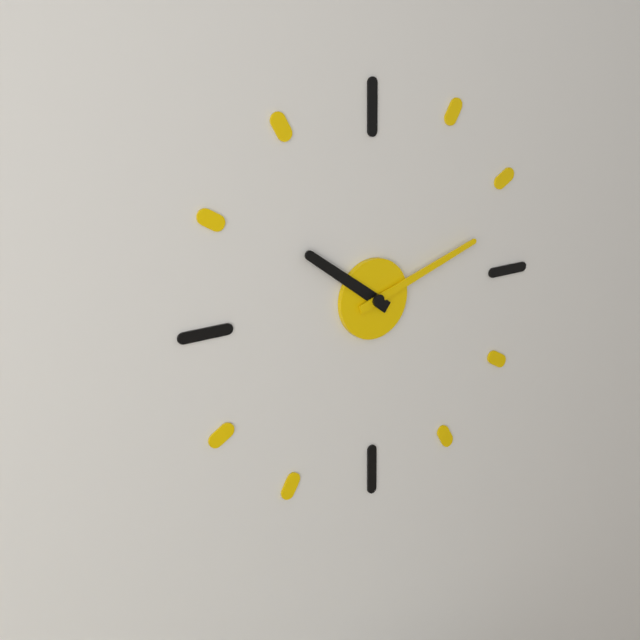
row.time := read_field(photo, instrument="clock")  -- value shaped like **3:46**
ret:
**10:12**
